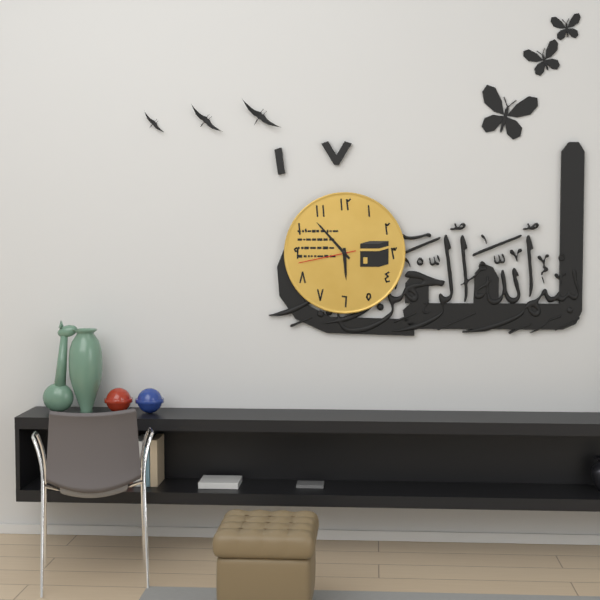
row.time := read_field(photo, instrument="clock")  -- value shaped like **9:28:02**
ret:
**5:53:43**
